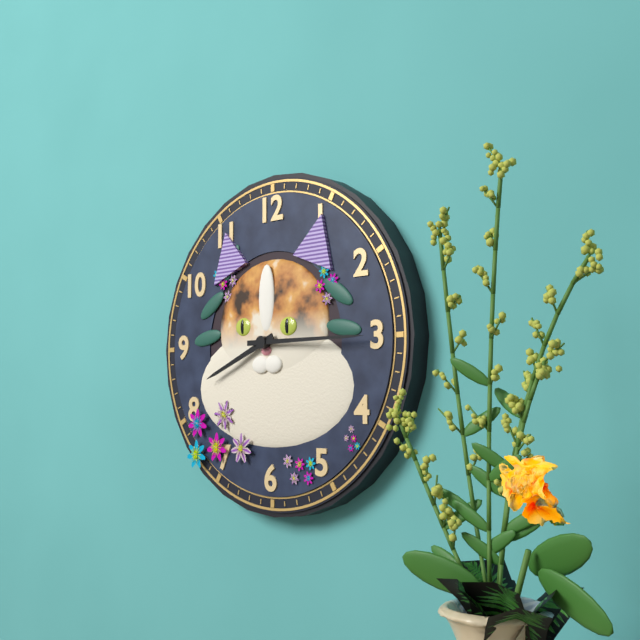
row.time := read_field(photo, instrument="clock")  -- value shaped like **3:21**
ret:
**8:15**
